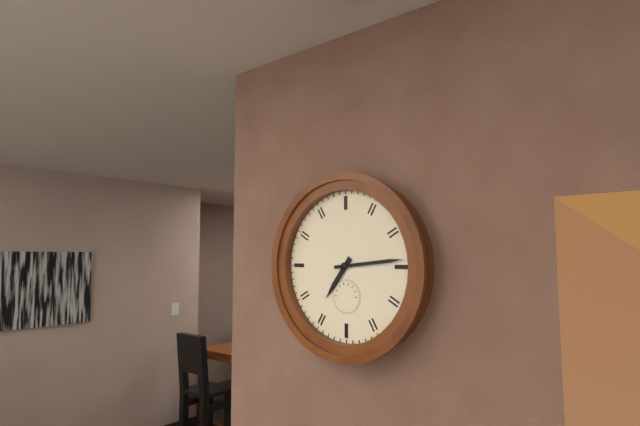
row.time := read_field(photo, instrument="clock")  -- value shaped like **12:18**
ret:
**7:14**
